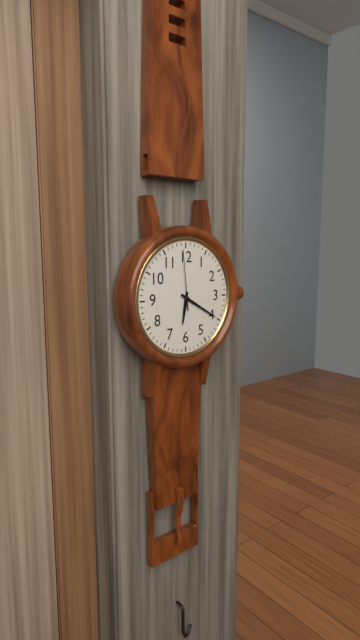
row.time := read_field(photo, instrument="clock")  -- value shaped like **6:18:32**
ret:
**6:20:59**
